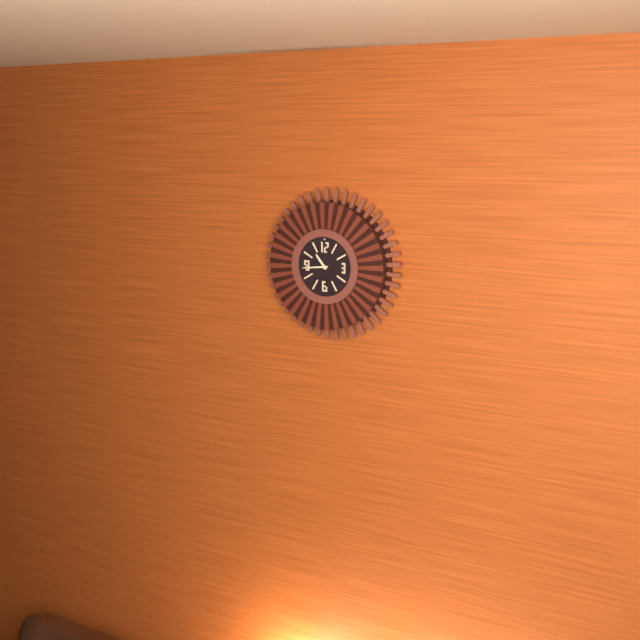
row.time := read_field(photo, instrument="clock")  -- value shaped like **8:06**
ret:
**10:44**
